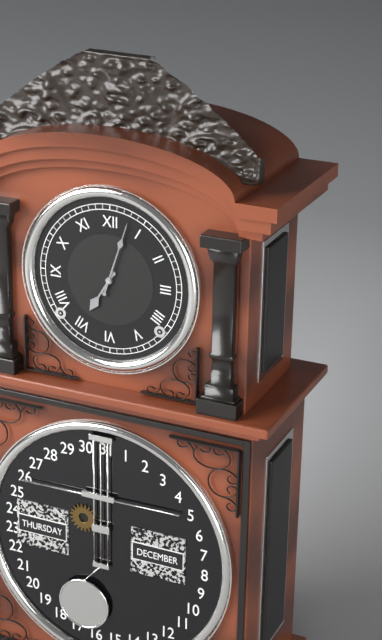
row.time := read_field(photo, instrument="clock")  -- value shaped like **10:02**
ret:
**7:03**
